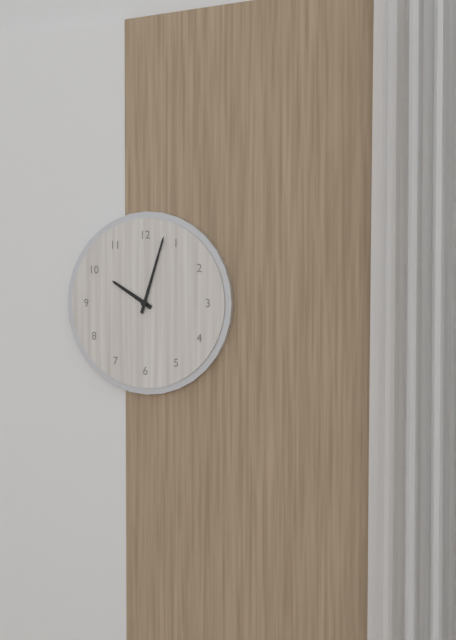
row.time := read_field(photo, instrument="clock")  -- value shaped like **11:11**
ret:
**10:03**
